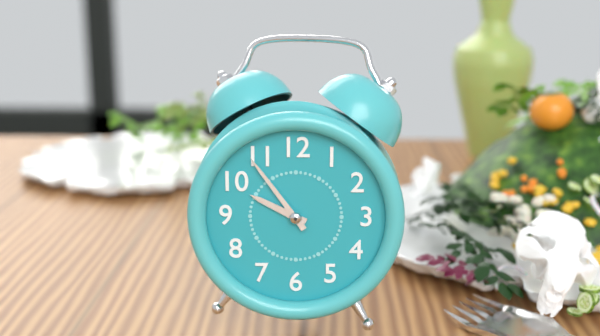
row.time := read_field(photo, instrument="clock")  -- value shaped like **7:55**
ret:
**9:54**
